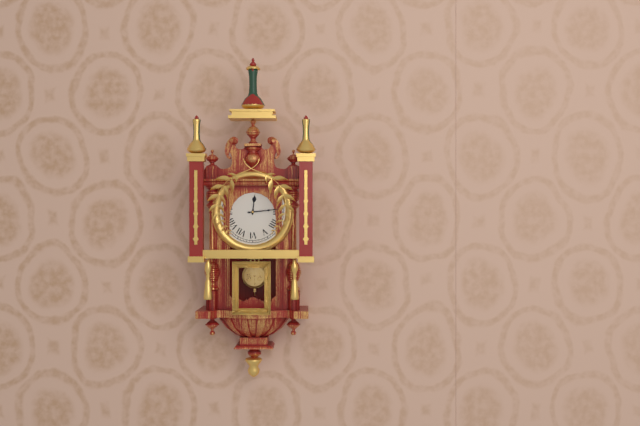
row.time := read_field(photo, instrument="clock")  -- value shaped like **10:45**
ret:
**12:14**
